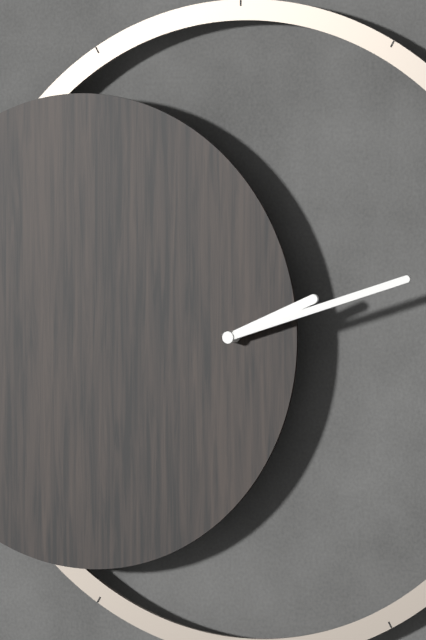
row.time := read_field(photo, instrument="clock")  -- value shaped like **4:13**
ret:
**2:12**
